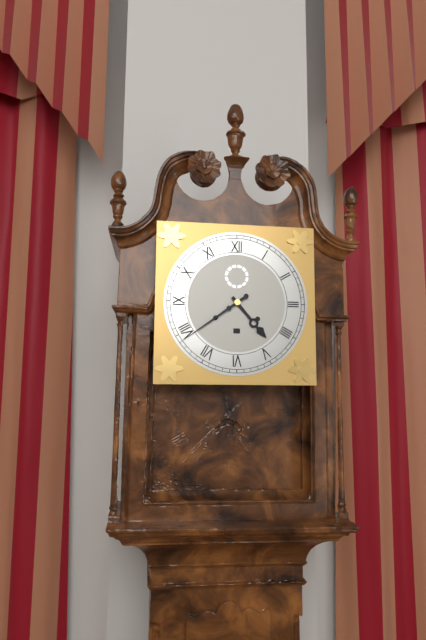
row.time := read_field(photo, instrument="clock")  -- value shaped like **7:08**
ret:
**4:39**
